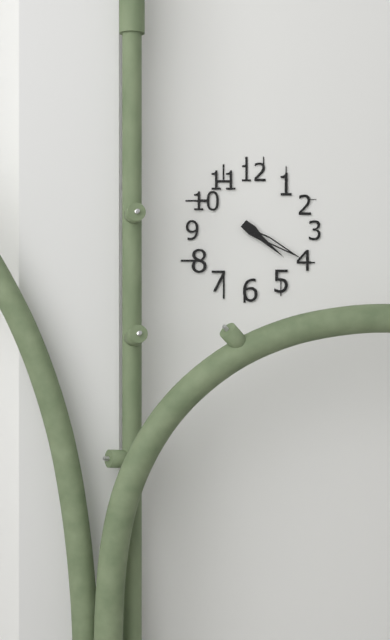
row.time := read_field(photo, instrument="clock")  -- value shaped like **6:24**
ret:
**4:20**
